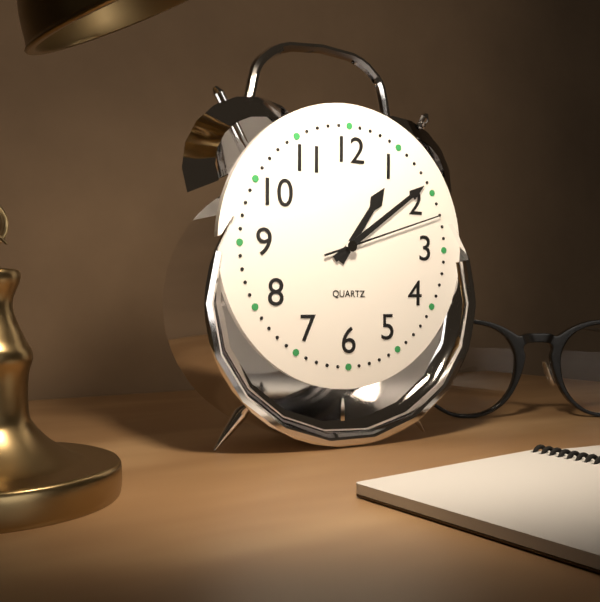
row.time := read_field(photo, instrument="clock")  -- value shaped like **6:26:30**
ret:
**1:09:12**
